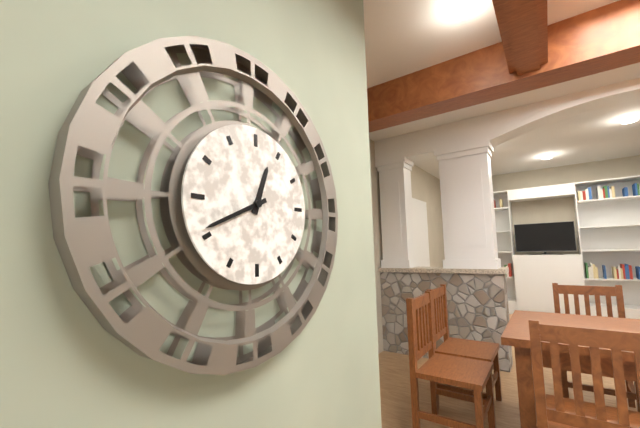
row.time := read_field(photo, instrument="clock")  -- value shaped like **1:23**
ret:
**12:41**
